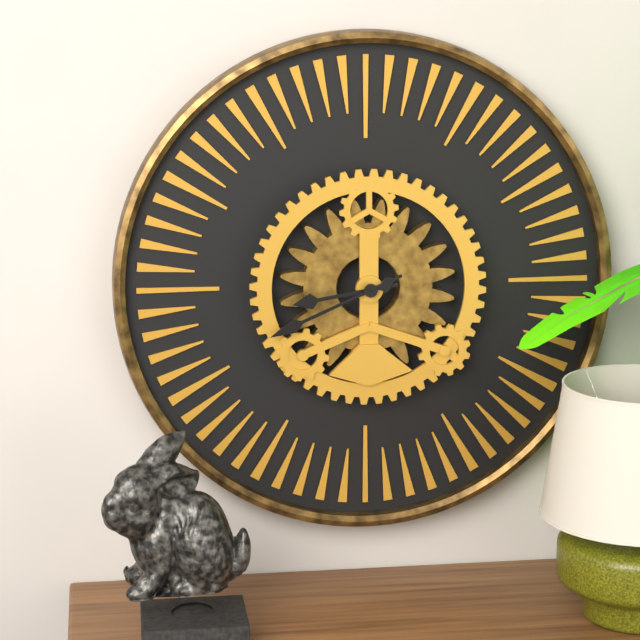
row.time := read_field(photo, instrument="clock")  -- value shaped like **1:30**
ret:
**8:41**
